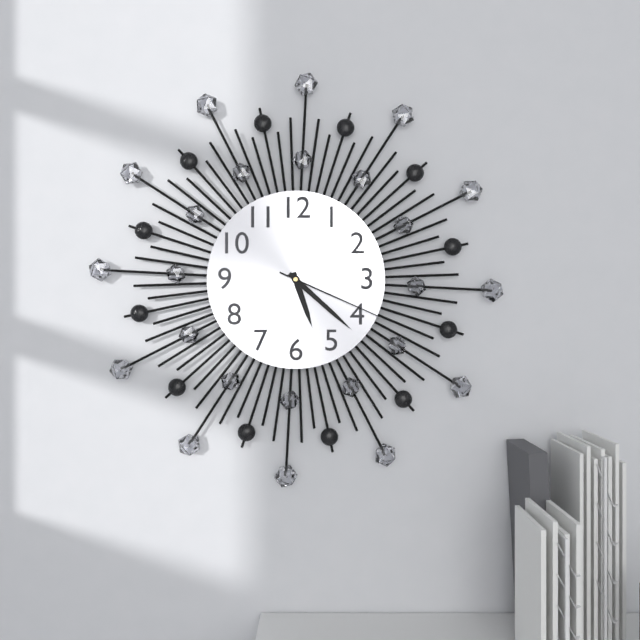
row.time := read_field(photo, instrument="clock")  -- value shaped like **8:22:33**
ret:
**5:22:19**
